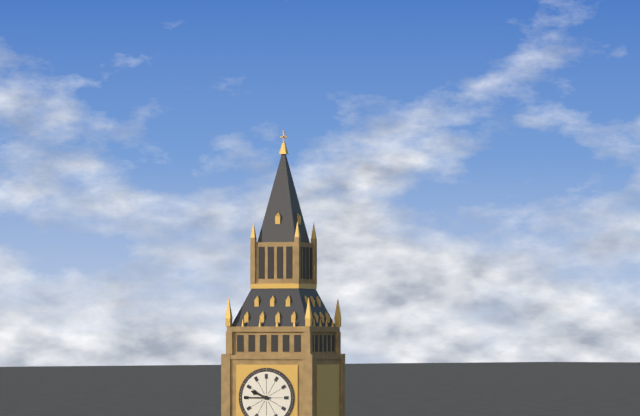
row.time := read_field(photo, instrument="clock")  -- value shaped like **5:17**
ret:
**9:45**
